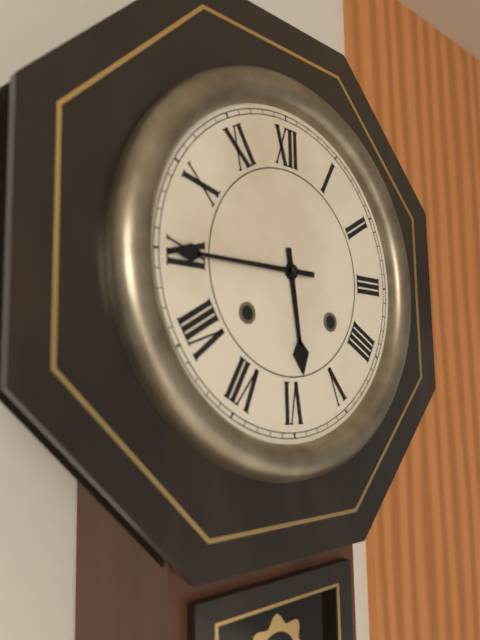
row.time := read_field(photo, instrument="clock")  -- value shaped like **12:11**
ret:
**5:45**
